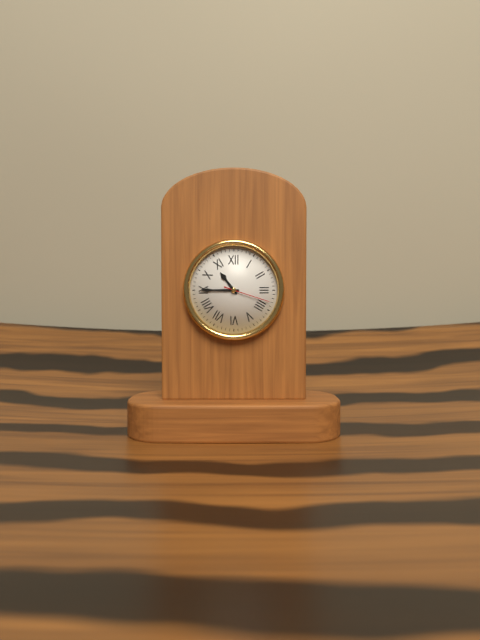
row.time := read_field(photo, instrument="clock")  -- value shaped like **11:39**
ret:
**10:45**
